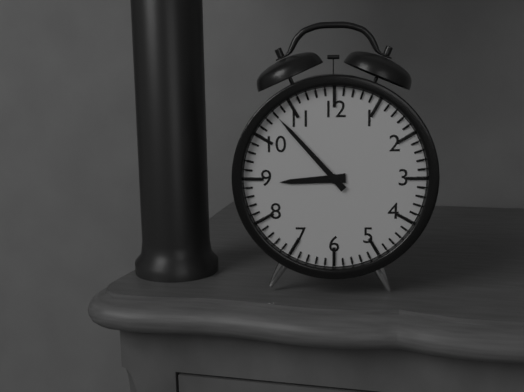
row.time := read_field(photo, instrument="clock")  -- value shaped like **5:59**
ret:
**8:53**
